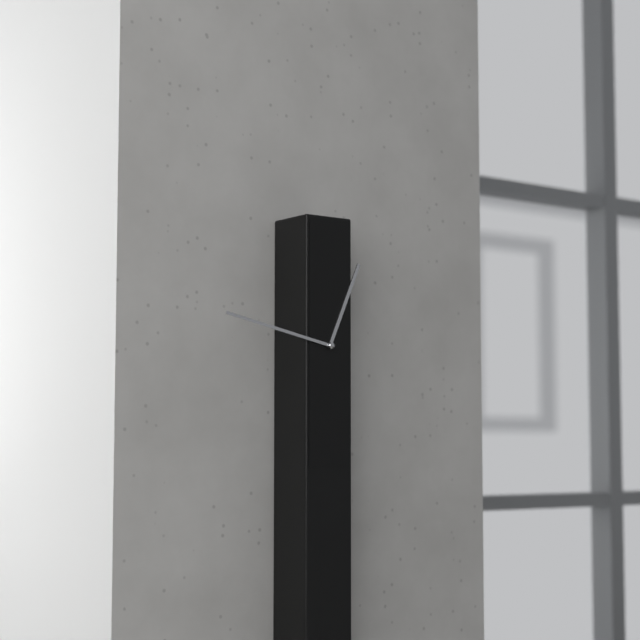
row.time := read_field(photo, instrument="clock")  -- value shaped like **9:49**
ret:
**12:47**
